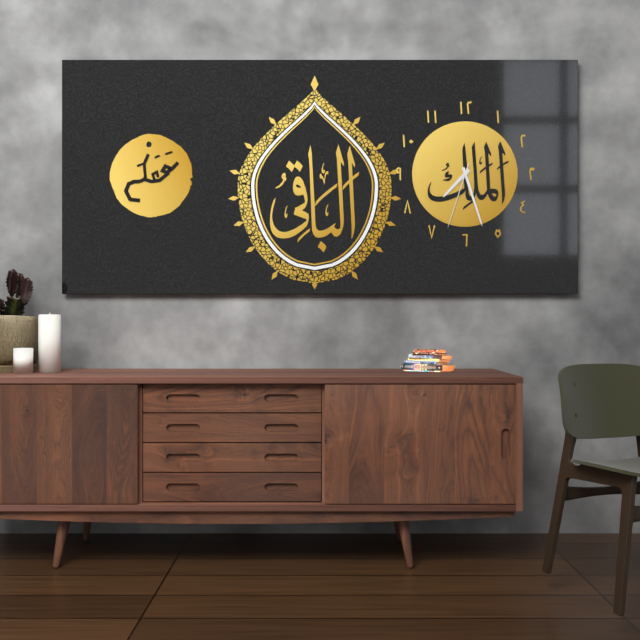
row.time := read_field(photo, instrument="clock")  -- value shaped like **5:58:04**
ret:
**7:27:33**
